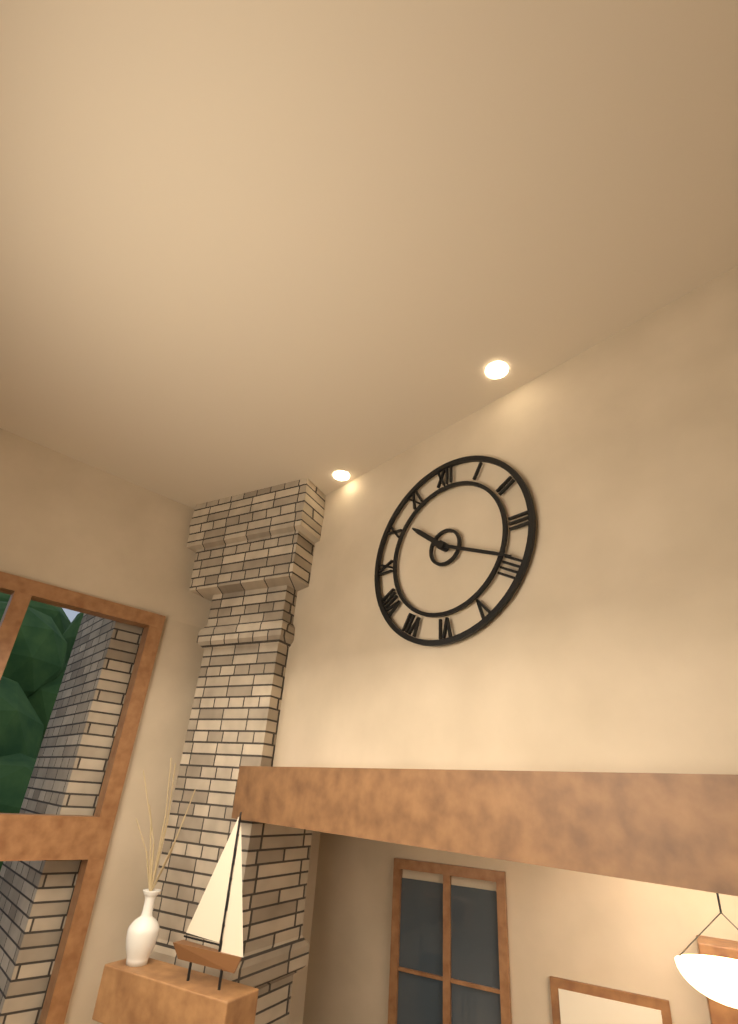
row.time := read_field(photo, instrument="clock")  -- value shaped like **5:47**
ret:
**10:19**
